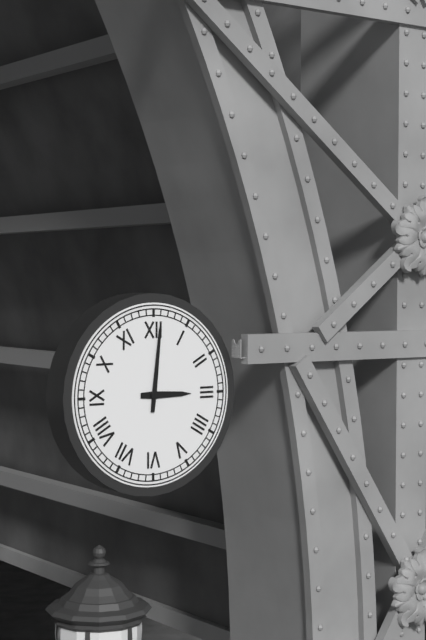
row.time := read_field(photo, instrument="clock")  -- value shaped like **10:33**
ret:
**3:01**
